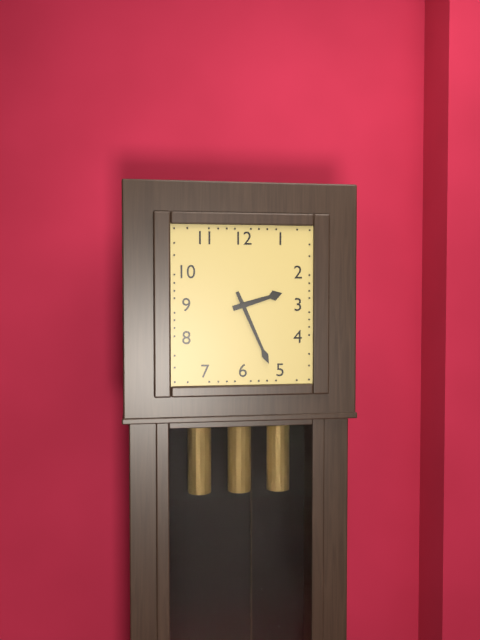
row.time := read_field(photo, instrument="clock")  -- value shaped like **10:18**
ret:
**2:26**
